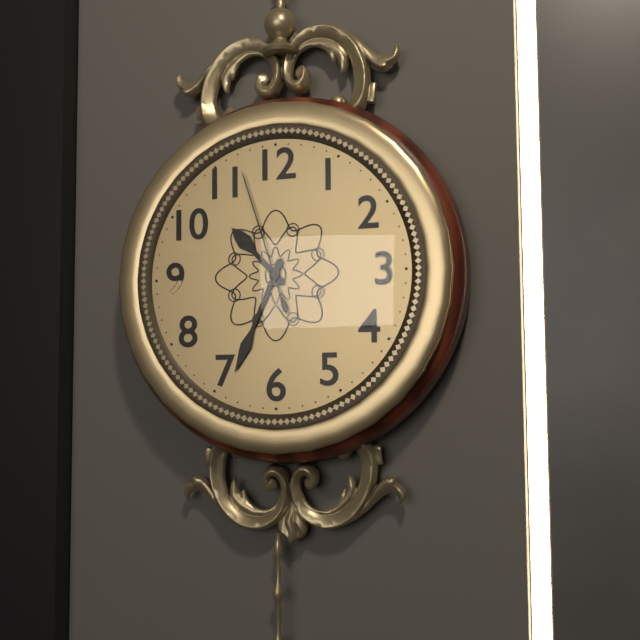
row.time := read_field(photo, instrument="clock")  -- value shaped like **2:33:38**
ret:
**10:34:57**
